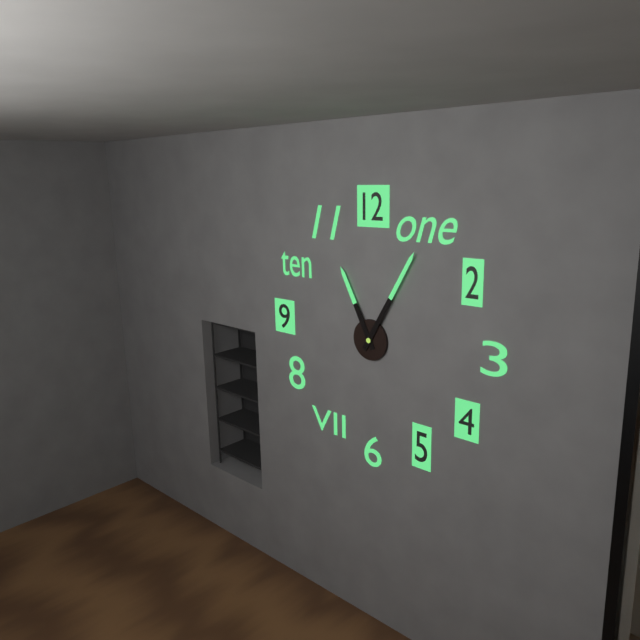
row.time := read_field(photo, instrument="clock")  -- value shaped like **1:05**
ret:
**11:05**
